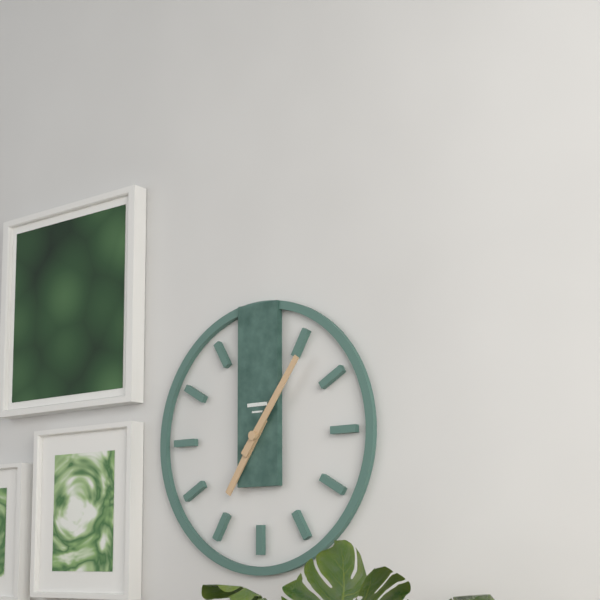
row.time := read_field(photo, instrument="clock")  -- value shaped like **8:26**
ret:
**7:06**
